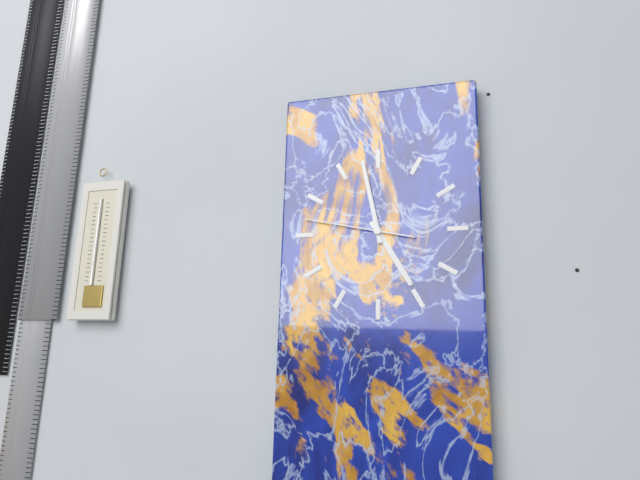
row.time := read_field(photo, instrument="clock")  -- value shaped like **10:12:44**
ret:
**4:58:47**
